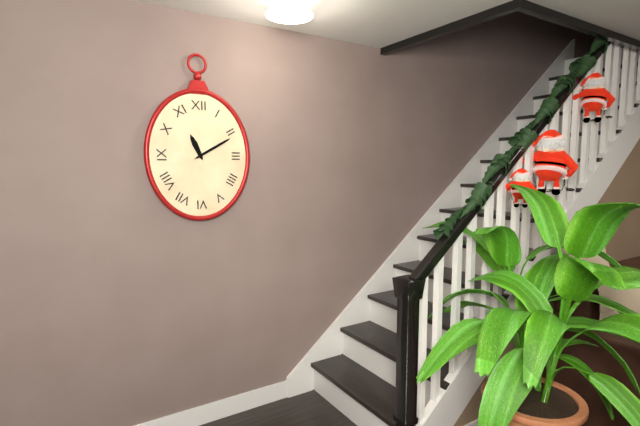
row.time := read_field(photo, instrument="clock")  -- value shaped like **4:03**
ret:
**11:10**
